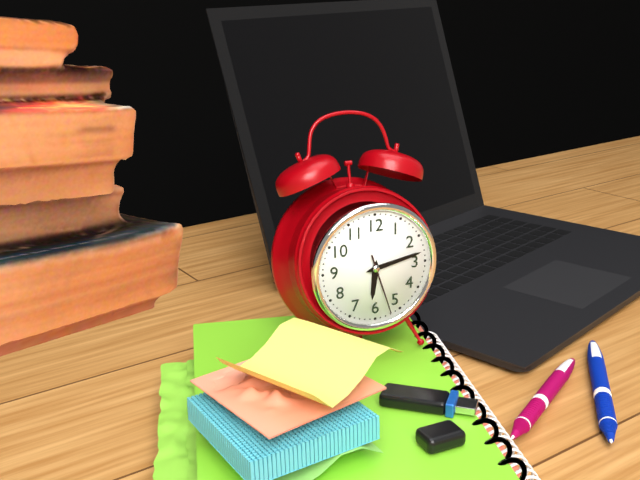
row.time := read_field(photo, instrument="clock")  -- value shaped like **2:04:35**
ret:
**6:13:27**
